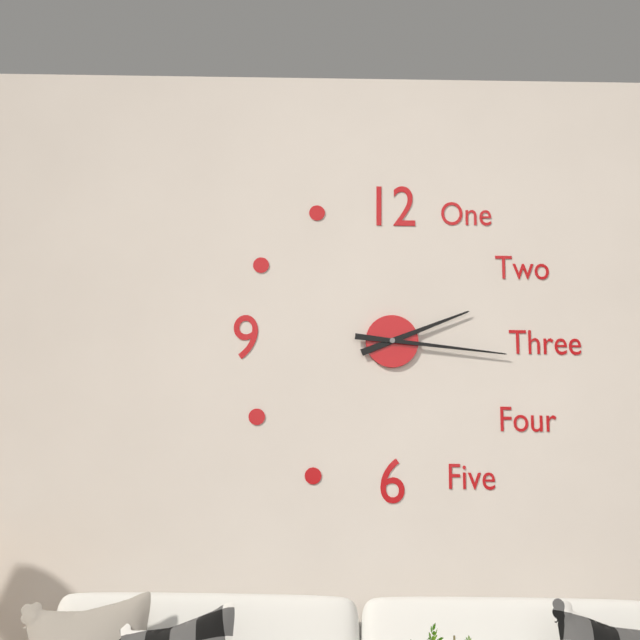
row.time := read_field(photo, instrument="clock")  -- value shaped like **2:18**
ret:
**2:16**
